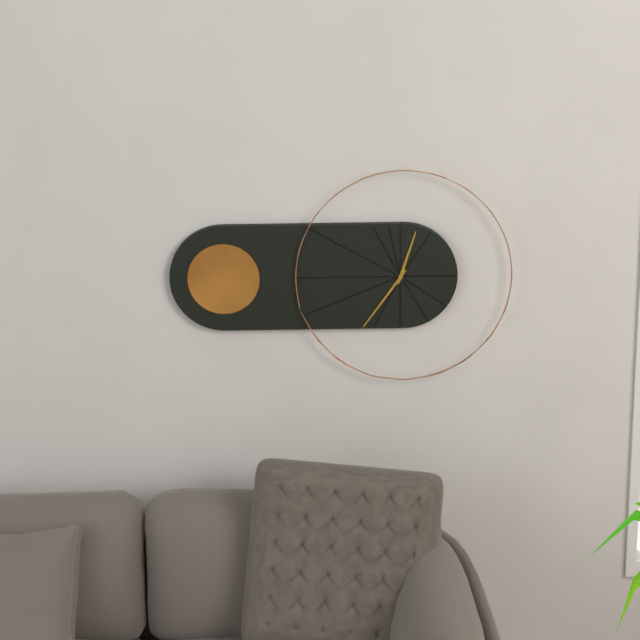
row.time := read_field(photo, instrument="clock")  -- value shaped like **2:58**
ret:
**12:36**
